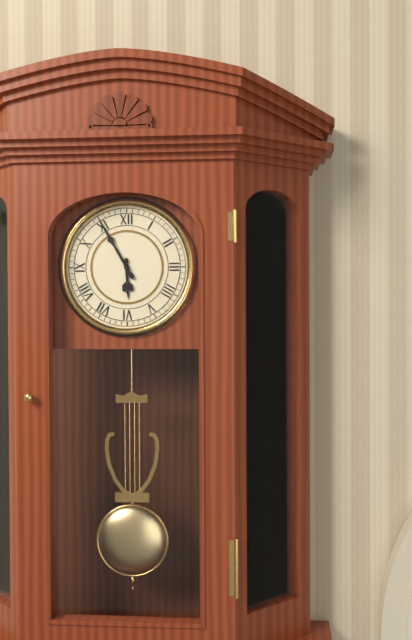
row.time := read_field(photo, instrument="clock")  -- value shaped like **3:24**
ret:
**5:55**
